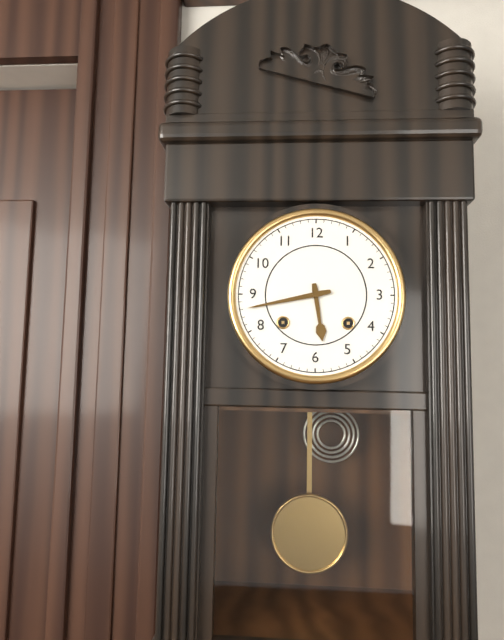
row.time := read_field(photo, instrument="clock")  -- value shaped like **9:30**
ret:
**5:43**
